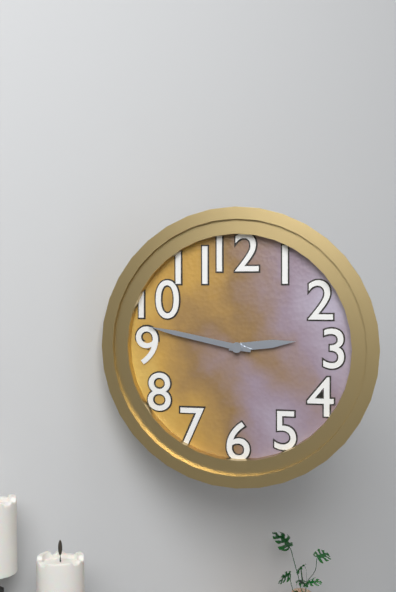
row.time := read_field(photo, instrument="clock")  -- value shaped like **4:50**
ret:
**2:47**
